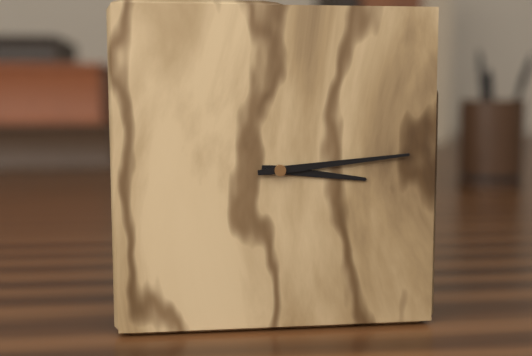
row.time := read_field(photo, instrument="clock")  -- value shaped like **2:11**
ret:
**3:14**
